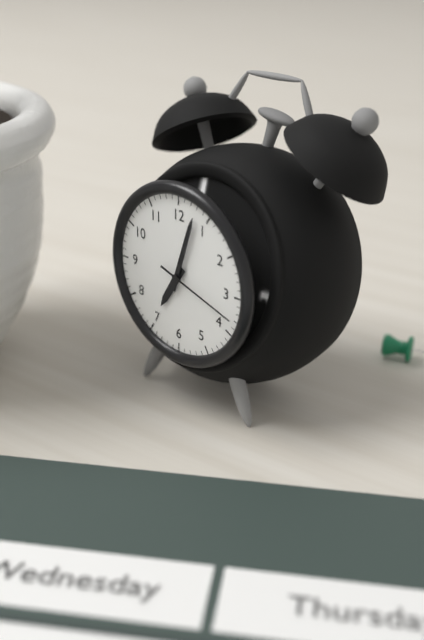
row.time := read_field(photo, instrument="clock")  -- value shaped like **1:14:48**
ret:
**7:03:18**
